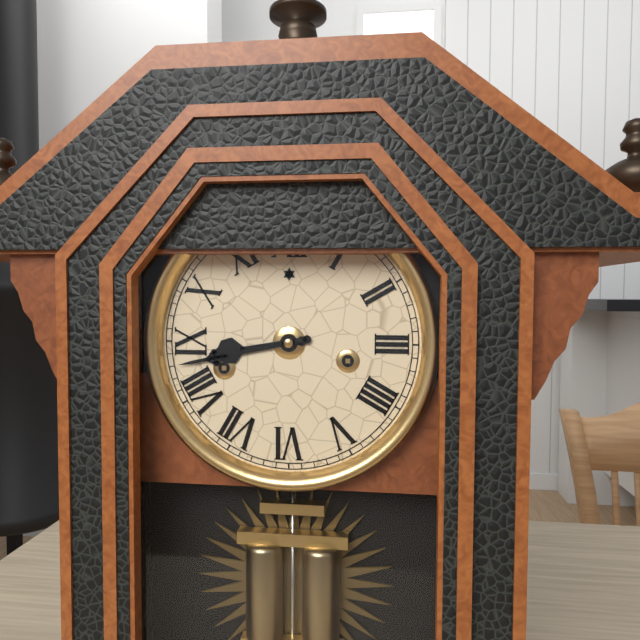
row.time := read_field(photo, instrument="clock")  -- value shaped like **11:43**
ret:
**8:43**
